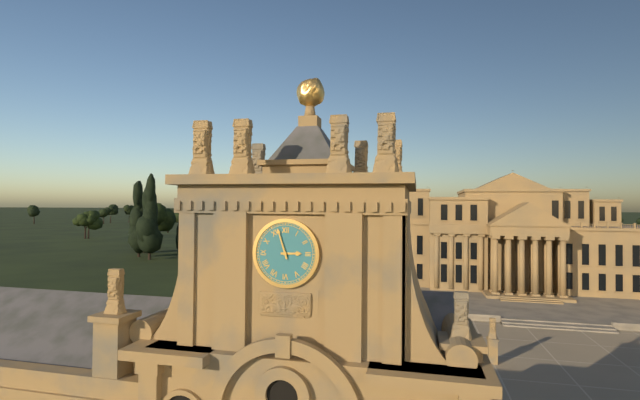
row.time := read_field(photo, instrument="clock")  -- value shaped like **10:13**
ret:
**2:57**
